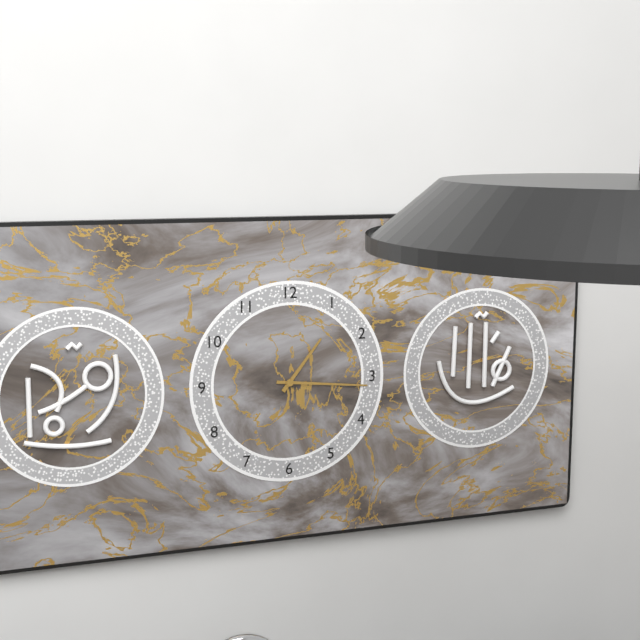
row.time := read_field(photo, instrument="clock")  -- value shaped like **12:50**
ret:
**1:16**
